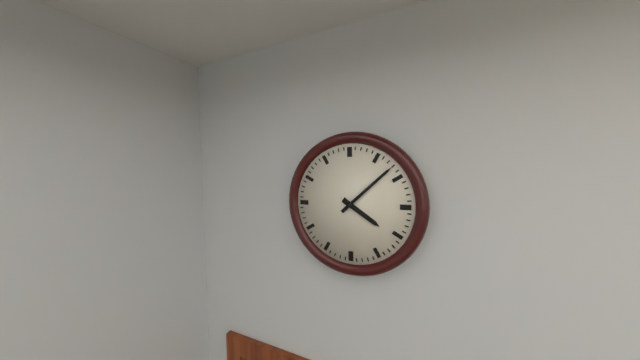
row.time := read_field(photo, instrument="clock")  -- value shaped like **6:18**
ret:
**4:08**
